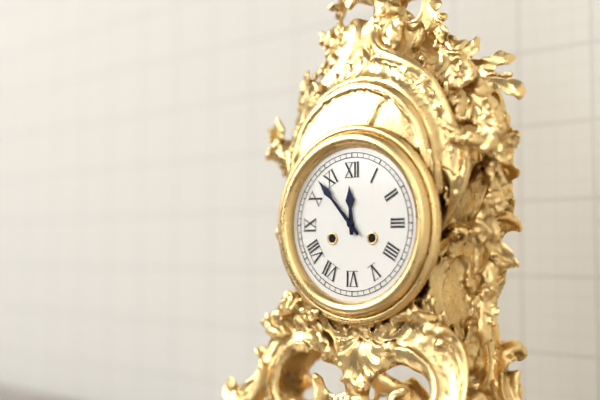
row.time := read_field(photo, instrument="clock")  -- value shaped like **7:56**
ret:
**11:53**
